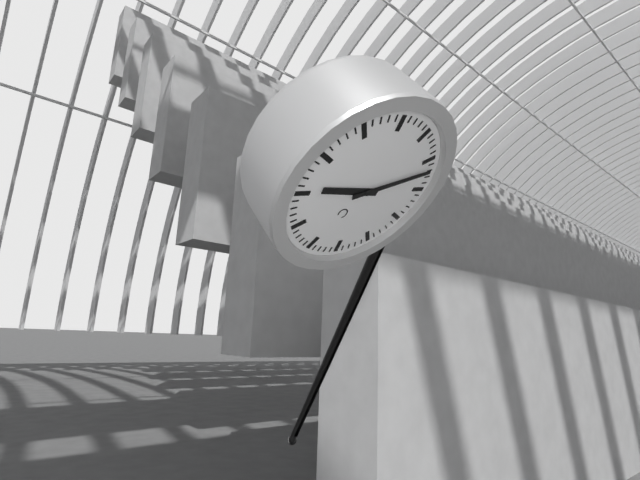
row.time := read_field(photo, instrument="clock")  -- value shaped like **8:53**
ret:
**8:07**
